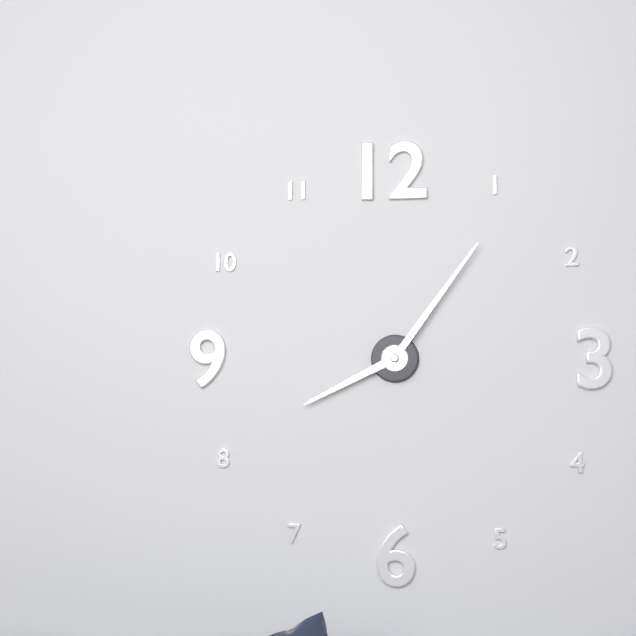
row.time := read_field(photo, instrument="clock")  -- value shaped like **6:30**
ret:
**8:06**
